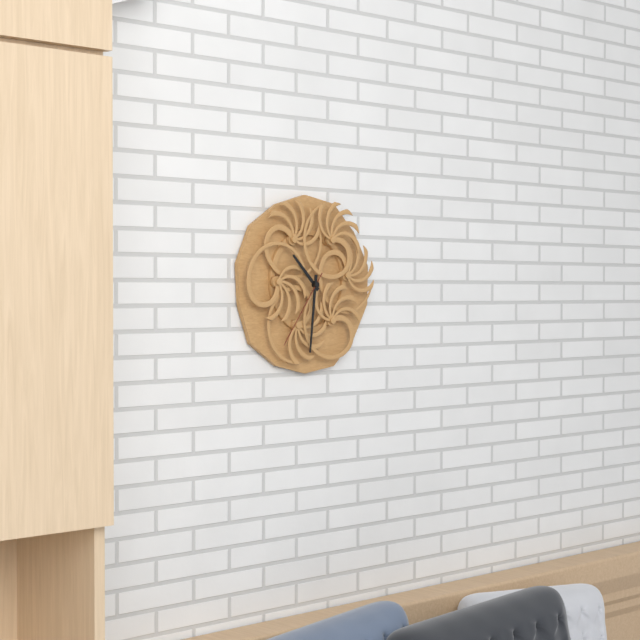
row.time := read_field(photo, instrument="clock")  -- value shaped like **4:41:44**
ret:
**10:31:36**
